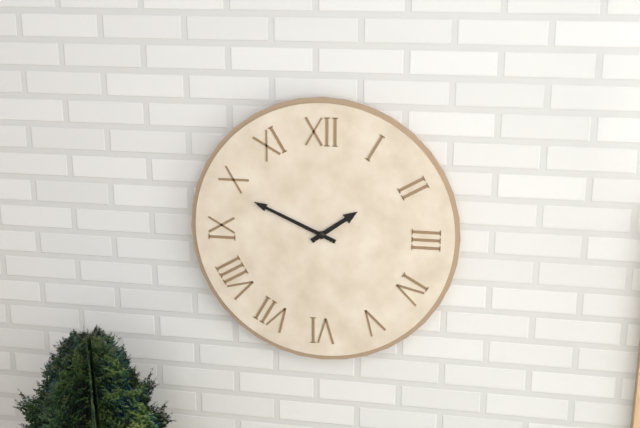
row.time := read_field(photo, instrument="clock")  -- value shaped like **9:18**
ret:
**1:49**
